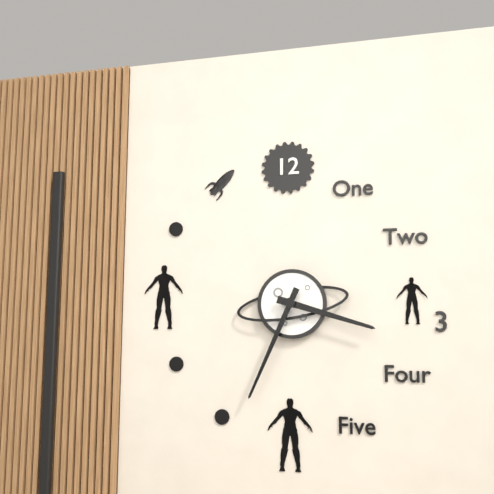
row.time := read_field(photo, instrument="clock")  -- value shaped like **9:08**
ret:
**3:34**
